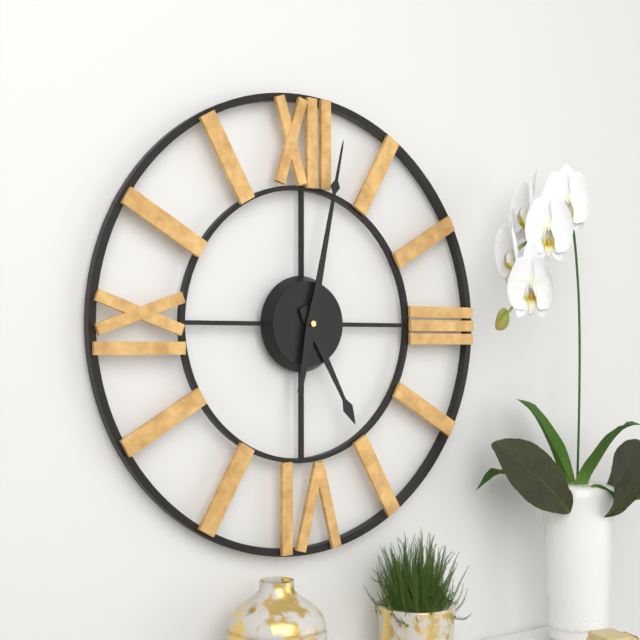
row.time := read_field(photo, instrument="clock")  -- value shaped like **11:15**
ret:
**5:02**
